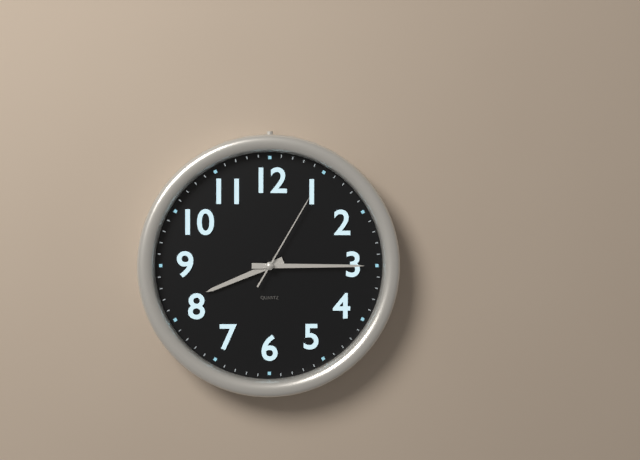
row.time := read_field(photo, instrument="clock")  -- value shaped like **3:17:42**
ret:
**8:15:05**
